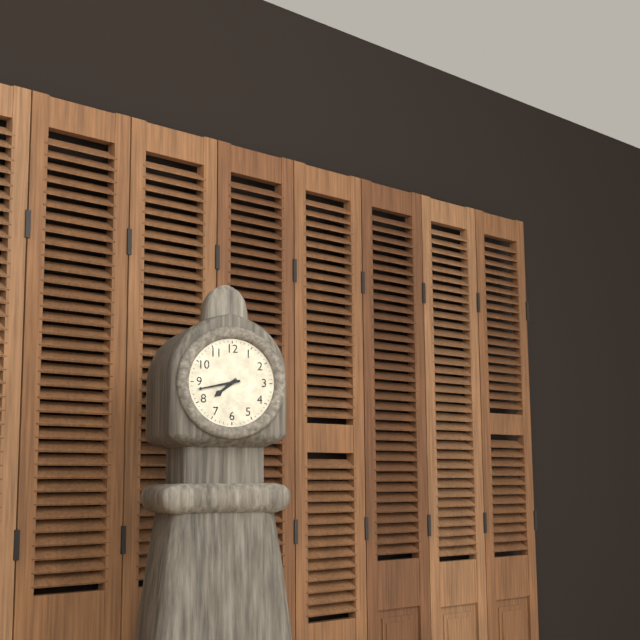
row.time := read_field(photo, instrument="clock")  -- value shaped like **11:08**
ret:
**7:43**
